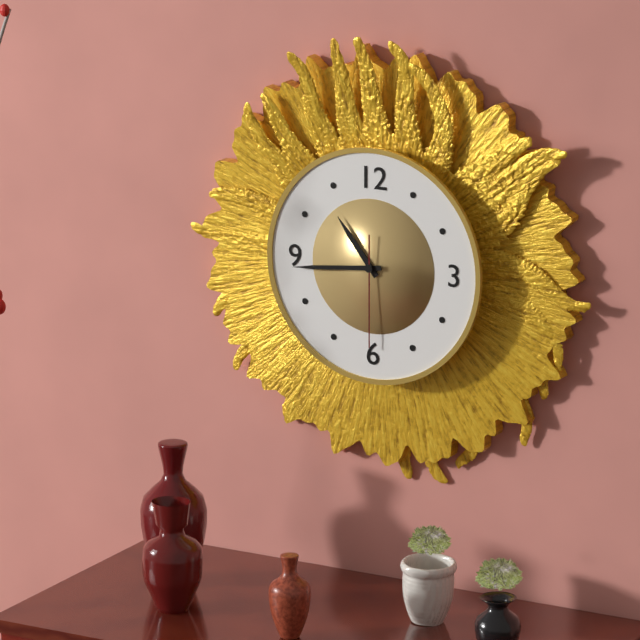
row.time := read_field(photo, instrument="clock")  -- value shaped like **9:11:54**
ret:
**10:44:30**
